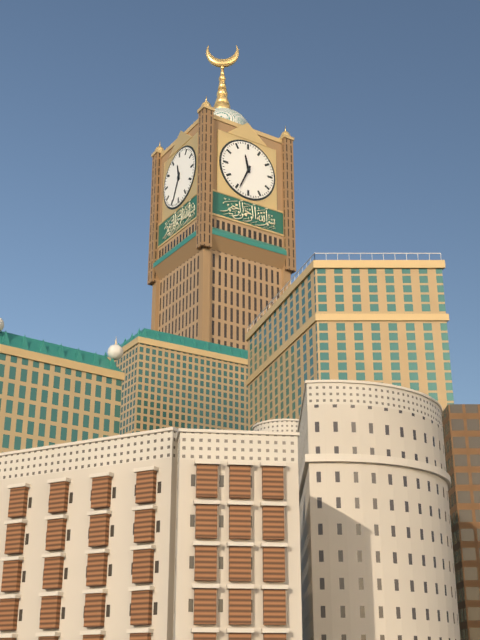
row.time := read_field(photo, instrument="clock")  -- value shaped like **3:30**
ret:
**11:34**
